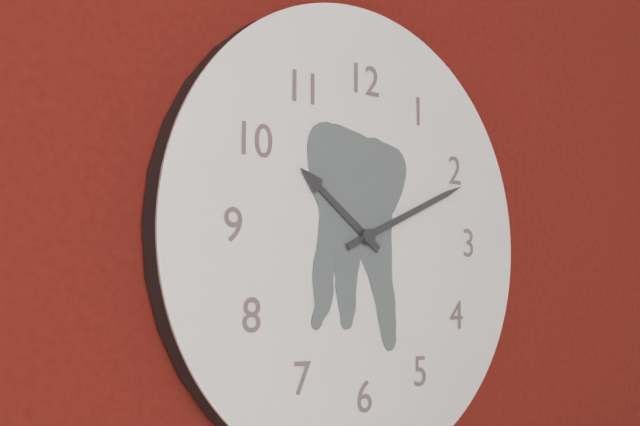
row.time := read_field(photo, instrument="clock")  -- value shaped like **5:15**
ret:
**10:11**
